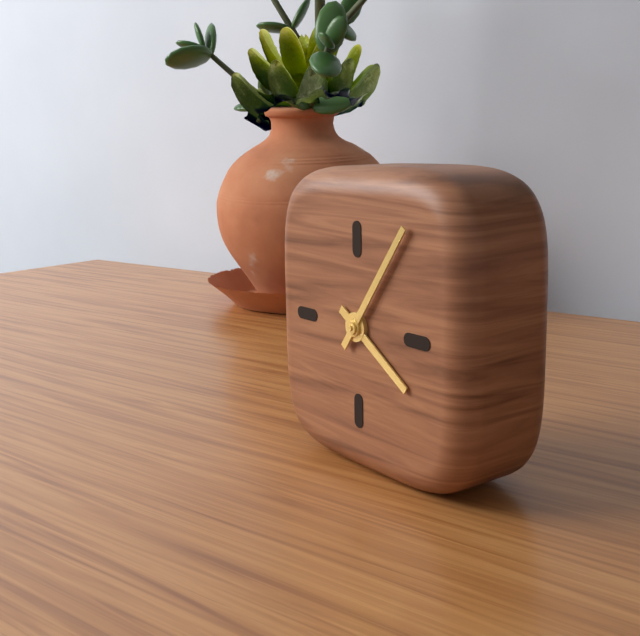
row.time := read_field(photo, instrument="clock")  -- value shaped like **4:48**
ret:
**4:06**
